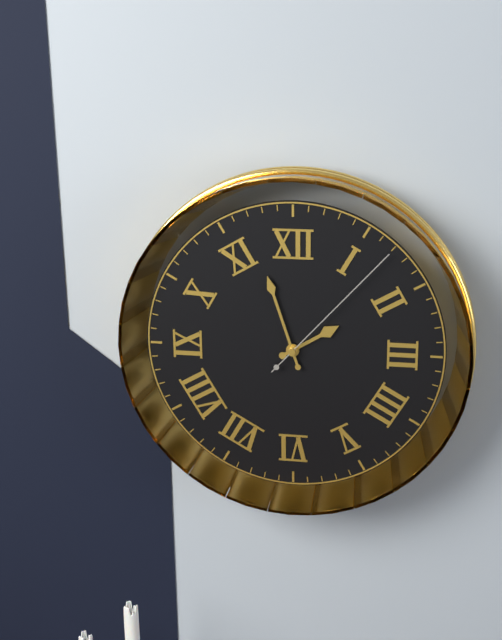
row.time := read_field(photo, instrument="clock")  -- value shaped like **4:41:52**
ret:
**1:57:07**
